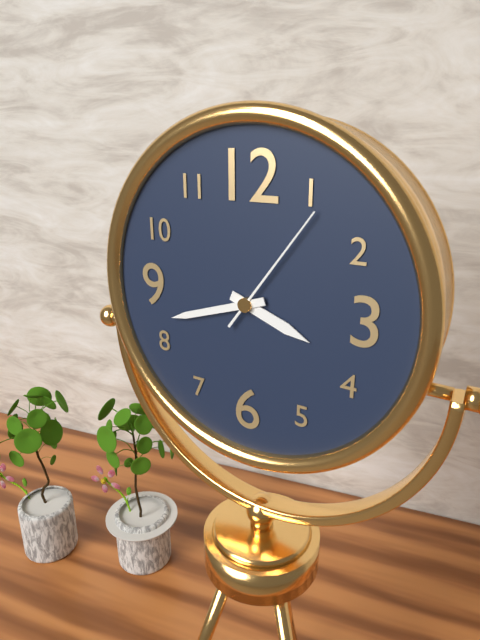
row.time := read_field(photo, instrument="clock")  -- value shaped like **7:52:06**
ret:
**3:42:06**
